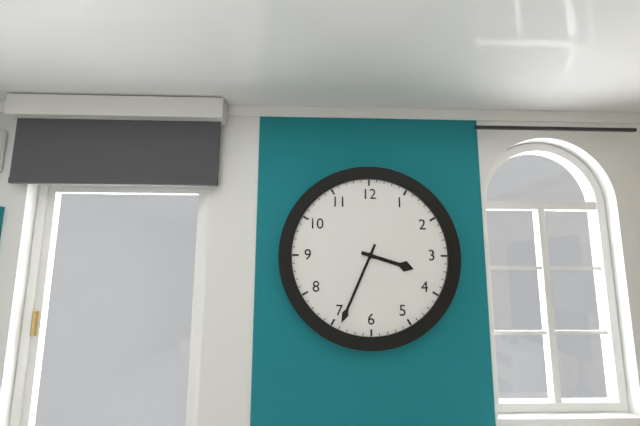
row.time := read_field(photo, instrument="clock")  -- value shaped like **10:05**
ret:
**3:34**
